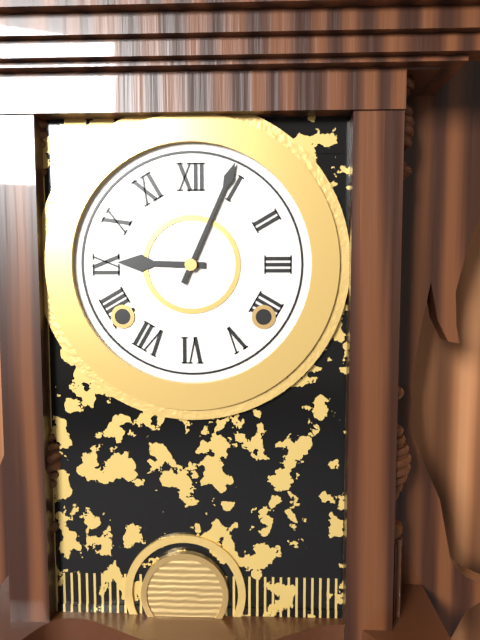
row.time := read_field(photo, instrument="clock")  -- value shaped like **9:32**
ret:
**9:04**
